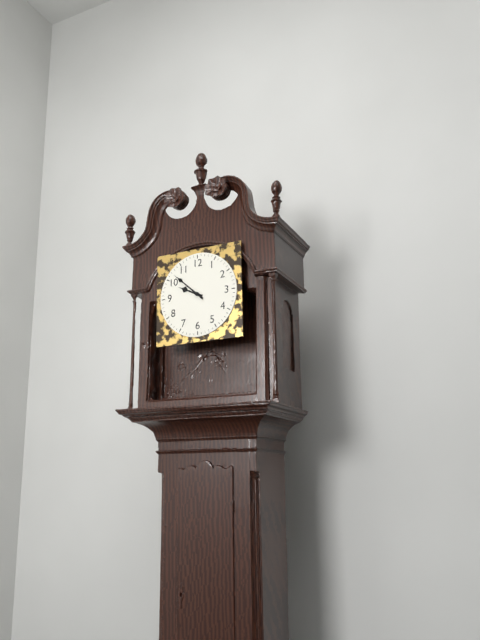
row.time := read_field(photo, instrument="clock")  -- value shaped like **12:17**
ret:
**9:52**
